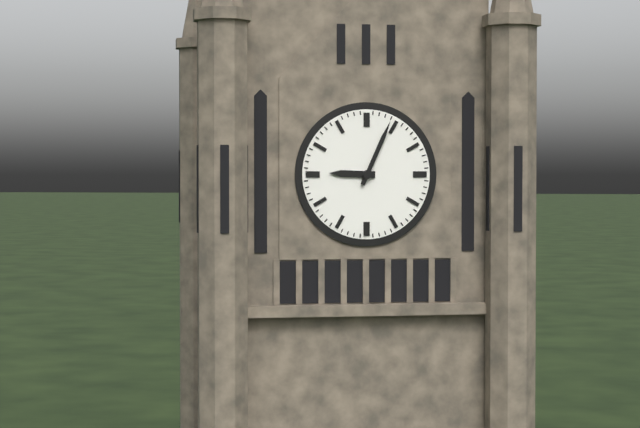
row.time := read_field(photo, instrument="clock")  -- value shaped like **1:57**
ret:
**9:04**
